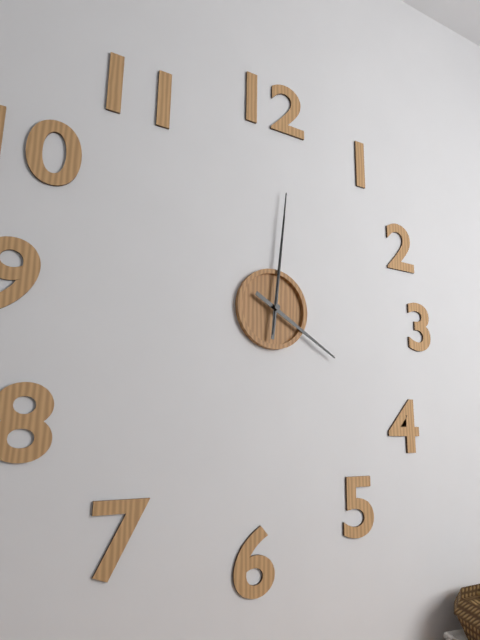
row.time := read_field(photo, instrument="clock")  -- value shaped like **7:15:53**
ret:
**4:01:01**
